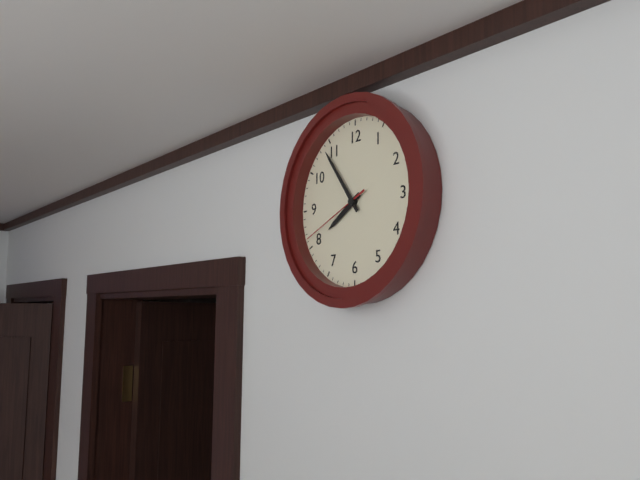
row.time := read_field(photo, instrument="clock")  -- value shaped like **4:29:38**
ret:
**7:54:41**
